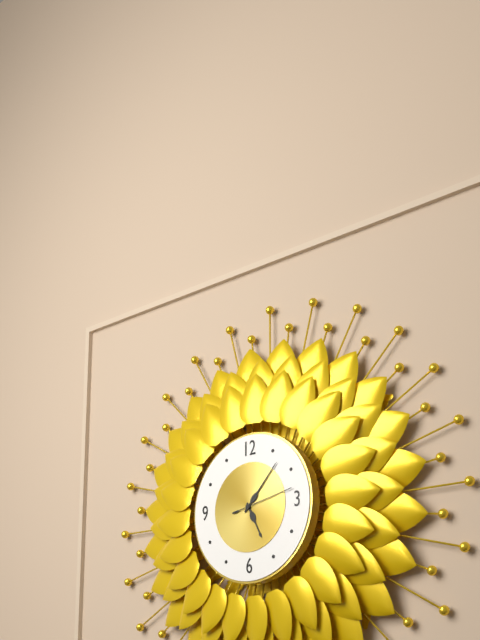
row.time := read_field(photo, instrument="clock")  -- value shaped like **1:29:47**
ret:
**5:07:13**
